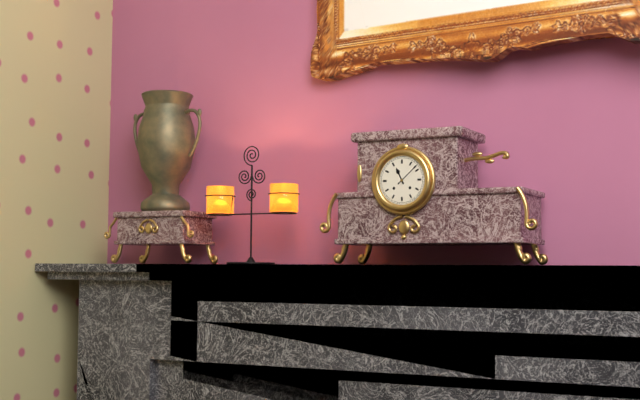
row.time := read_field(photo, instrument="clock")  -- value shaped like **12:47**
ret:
**11:08**
